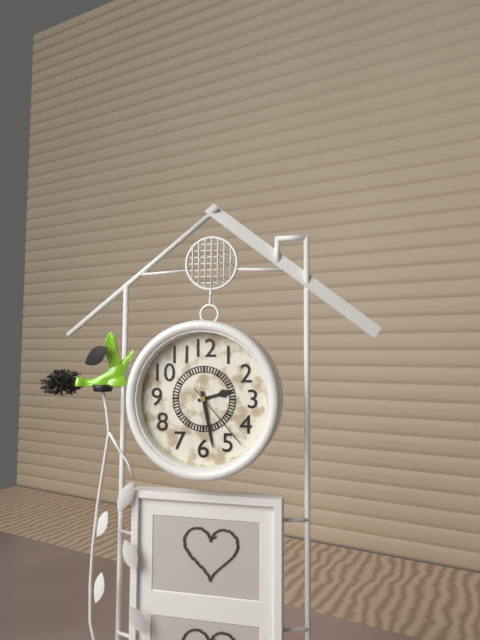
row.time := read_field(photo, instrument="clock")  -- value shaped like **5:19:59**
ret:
**2:28:23**
